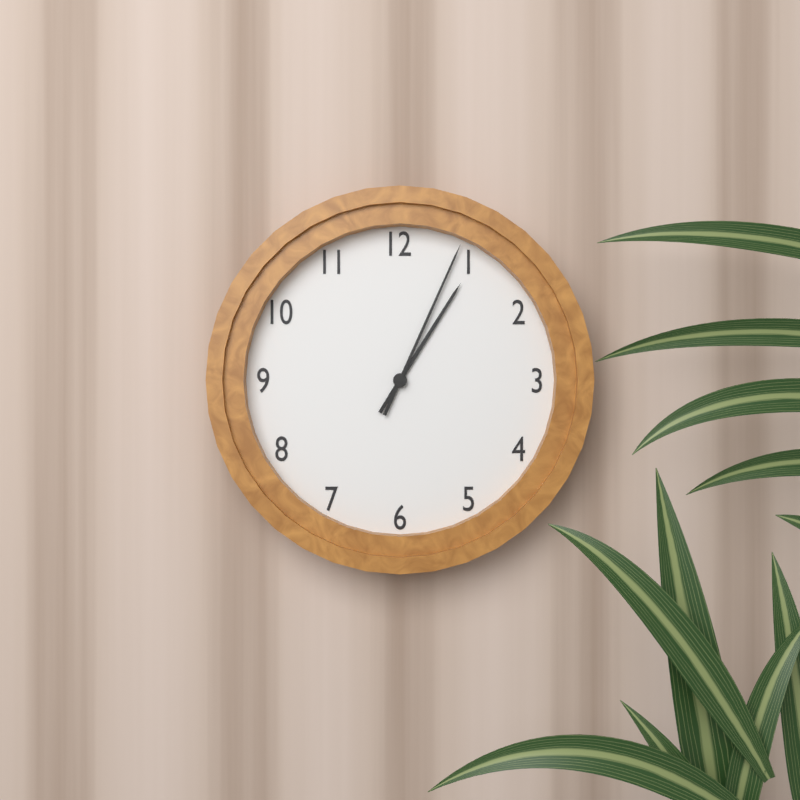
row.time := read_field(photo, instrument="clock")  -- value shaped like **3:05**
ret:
**1:04**
